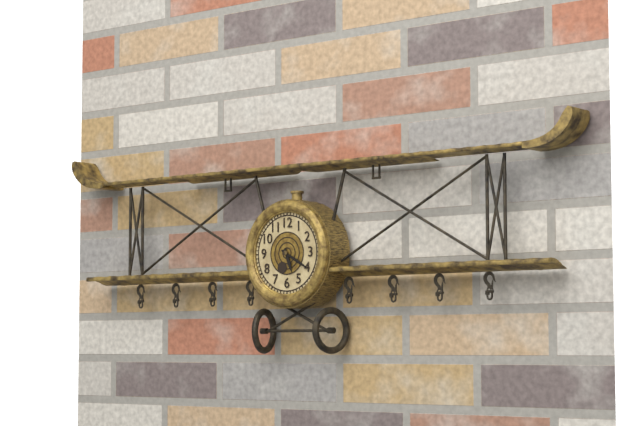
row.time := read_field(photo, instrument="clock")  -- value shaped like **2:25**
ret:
**5:20**
